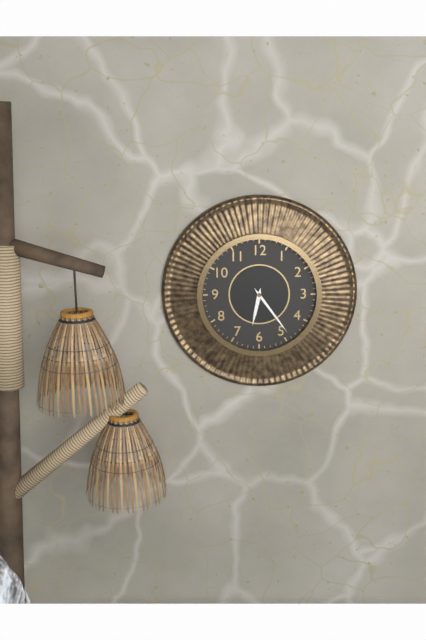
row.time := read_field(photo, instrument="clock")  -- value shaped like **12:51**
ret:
**6:24**
